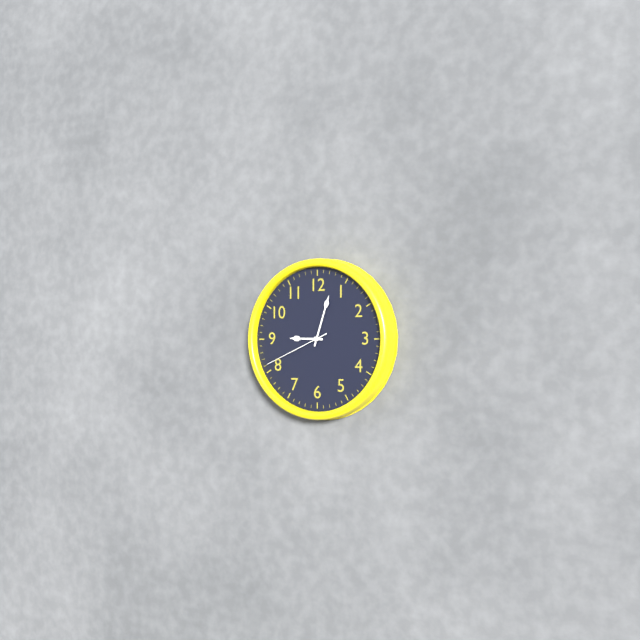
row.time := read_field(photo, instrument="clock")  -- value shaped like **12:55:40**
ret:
**9:03:41**
